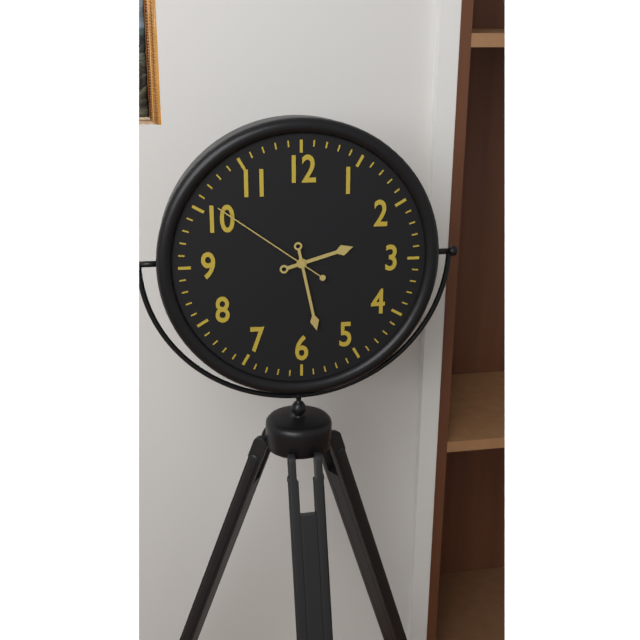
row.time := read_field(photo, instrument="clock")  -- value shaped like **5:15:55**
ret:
**2:28:51**
